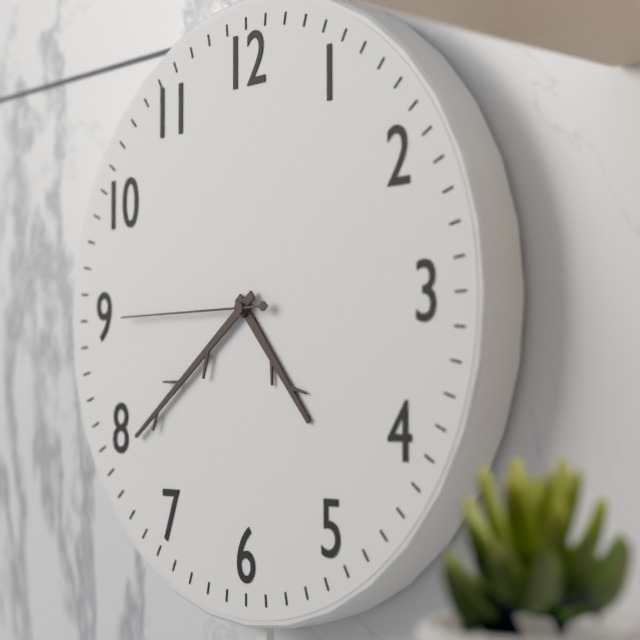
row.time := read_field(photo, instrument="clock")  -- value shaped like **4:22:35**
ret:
**4:39:45**
